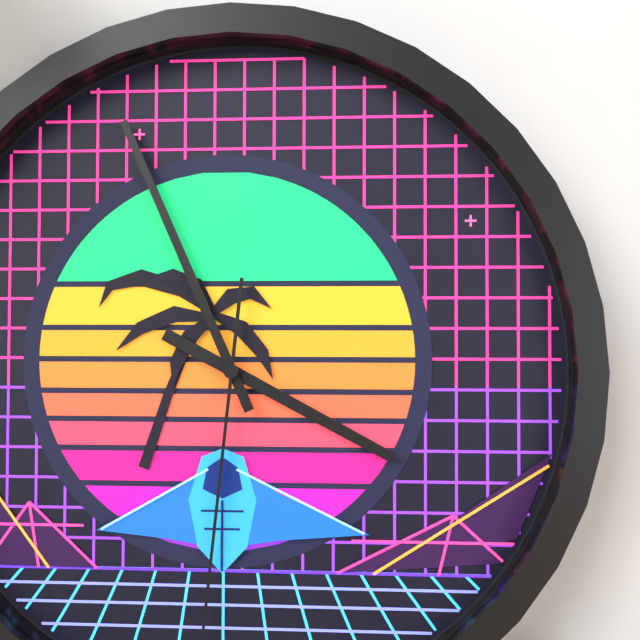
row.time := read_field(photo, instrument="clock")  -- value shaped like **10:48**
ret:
**3:56**
